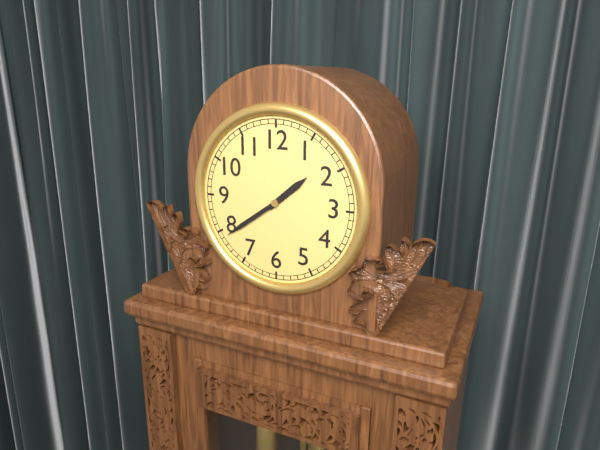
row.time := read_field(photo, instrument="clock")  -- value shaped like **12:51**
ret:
**1:39**
